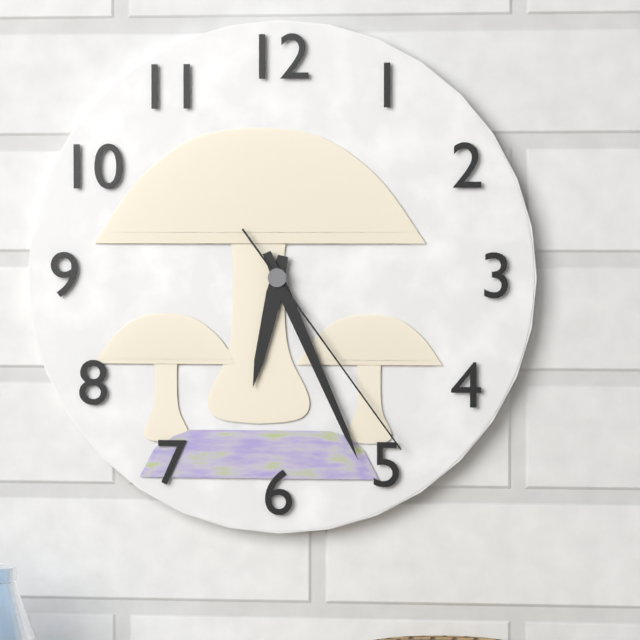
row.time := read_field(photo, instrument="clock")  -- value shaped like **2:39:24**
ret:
**6:26:24**
